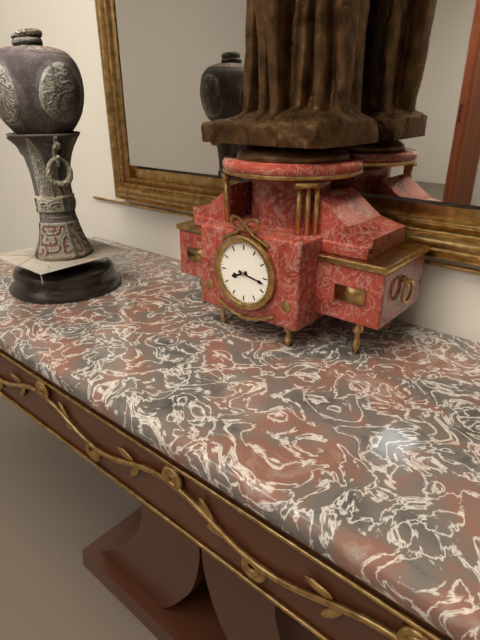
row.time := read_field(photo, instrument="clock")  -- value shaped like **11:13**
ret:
**8:17**
